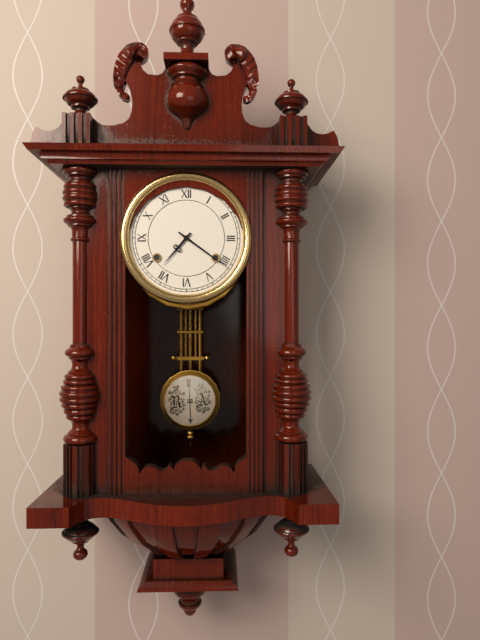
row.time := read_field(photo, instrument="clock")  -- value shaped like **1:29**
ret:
**7:21**
